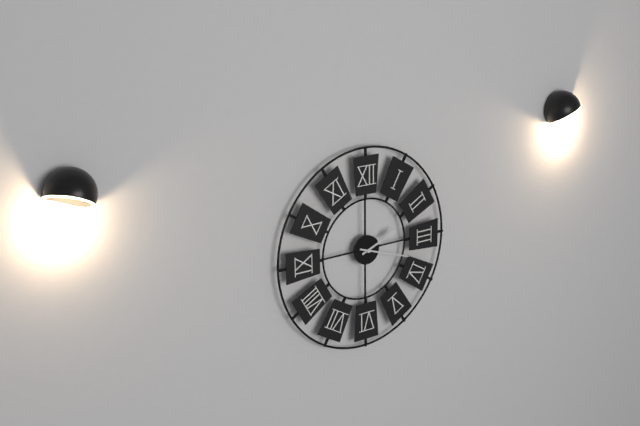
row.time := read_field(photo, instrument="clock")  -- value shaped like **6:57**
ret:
**2:18**
